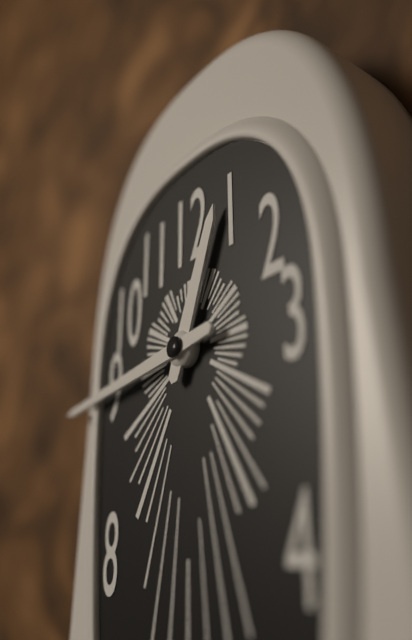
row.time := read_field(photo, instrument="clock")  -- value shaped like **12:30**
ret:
**12:44**
